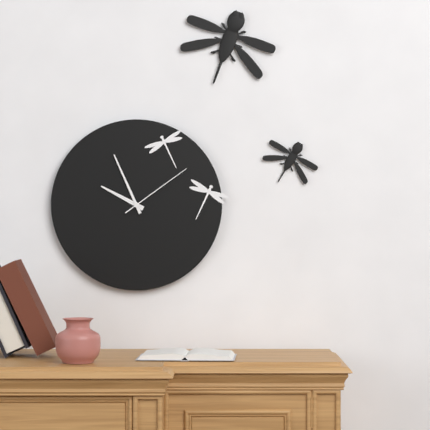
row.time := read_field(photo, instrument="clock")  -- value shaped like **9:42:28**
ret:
**9:56:09**
